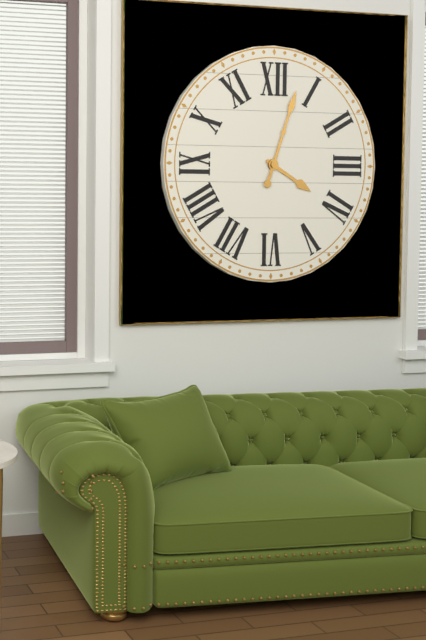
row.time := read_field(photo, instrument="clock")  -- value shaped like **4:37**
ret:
**4:03**
